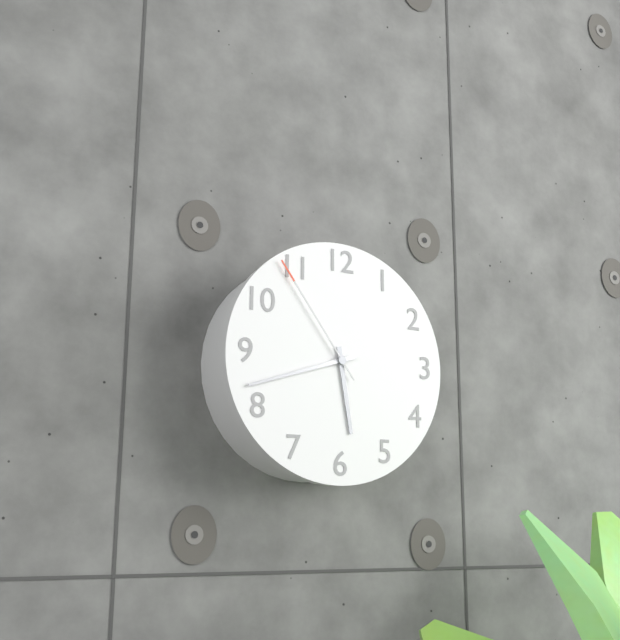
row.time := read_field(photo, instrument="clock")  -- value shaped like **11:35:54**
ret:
**5:42:54**
